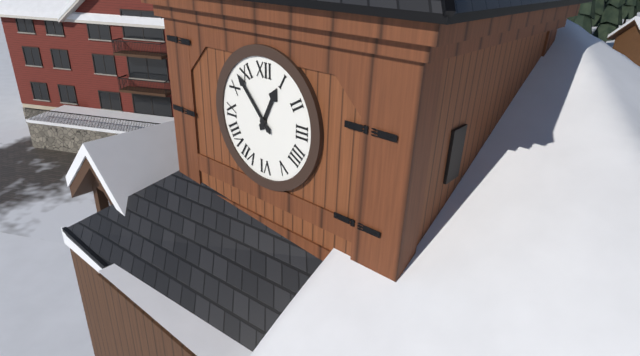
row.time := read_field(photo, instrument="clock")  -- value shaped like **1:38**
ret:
**12:53**
